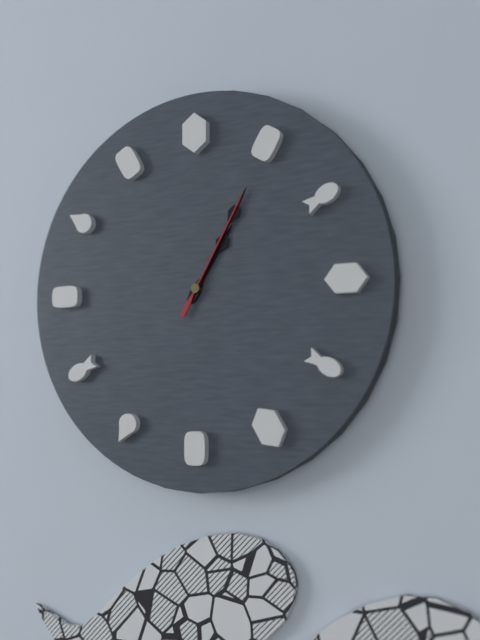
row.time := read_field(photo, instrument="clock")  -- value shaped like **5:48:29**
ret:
**1:05:05**
